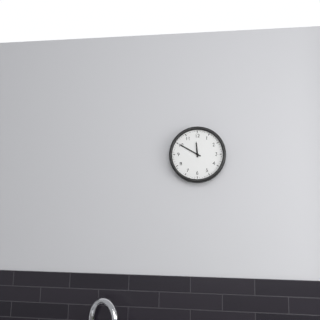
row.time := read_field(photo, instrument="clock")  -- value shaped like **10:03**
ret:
**11:50**
